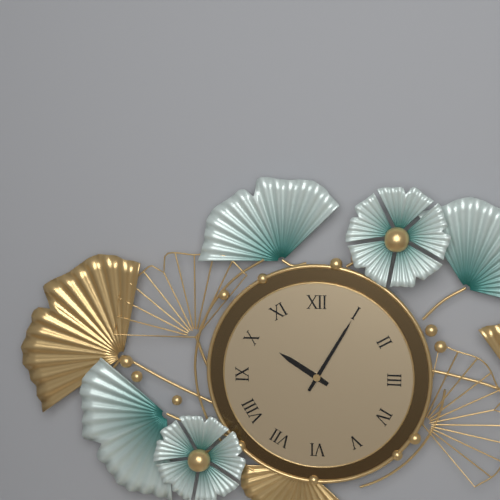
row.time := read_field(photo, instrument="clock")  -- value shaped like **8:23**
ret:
**10:05**
